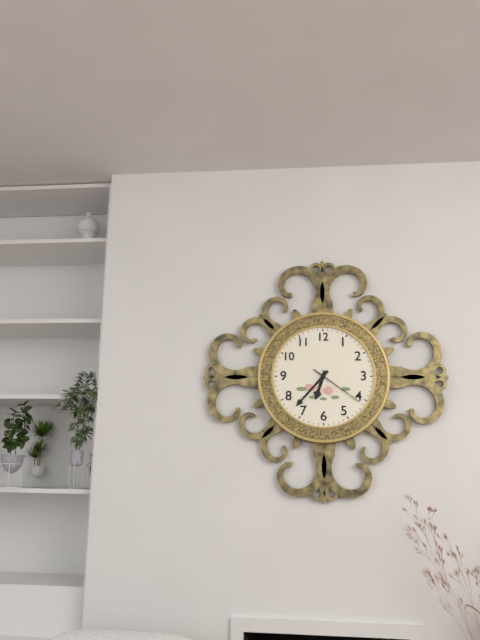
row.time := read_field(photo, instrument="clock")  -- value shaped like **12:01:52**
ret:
**6:37:21**
